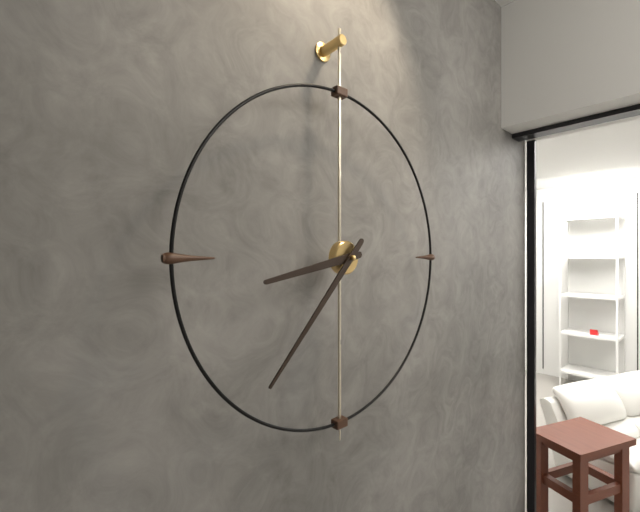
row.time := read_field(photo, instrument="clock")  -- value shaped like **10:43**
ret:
**8:37**
